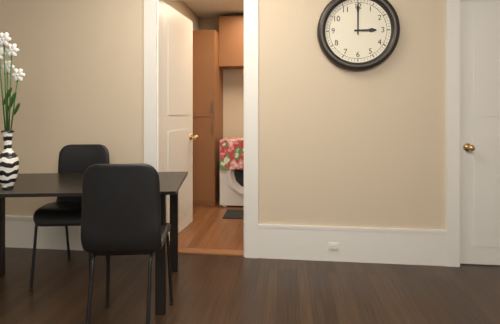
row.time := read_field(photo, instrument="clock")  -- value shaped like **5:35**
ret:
**3:00**
